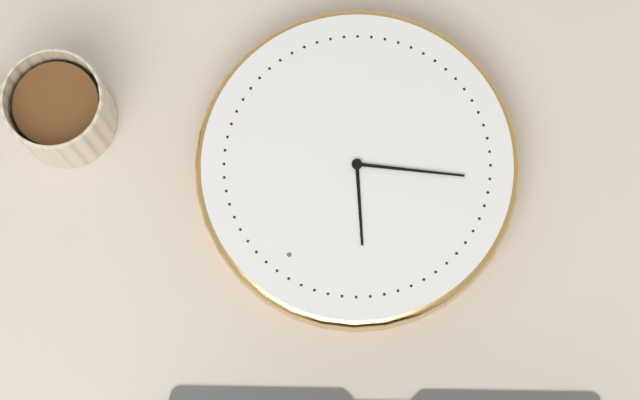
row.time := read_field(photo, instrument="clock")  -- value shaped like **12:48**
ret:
**10:40**
